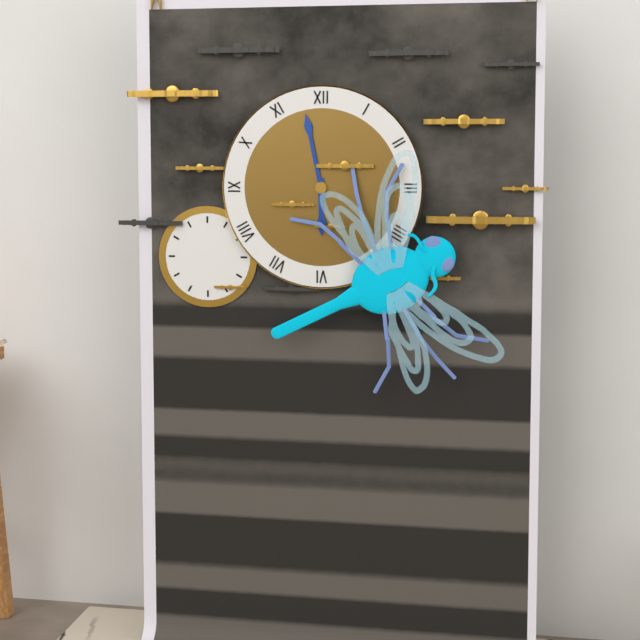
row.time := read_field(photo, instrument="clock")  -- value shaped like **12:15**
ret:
**5:58**
